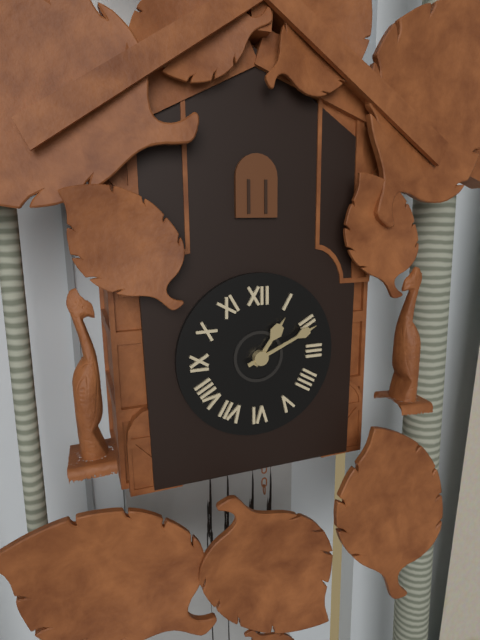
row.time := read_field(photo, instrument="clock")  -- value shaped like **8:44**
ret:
**1:11**
